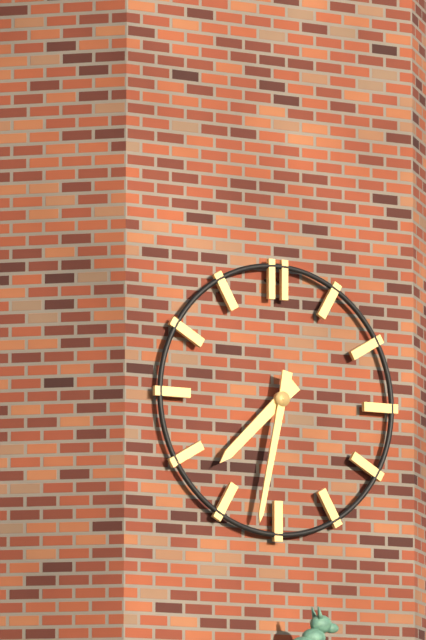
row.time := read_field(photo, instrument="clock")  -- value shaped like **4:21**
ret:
**7:32**
